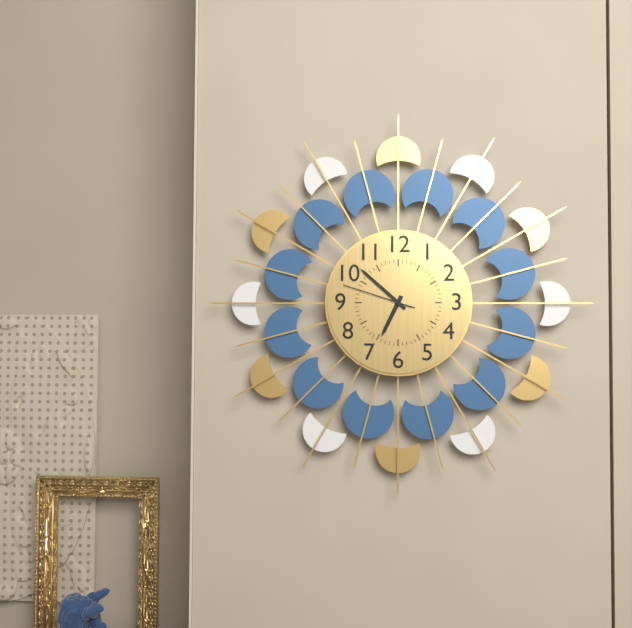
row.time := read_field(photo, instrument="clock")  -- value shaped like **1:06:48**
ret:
**6:52:48**
